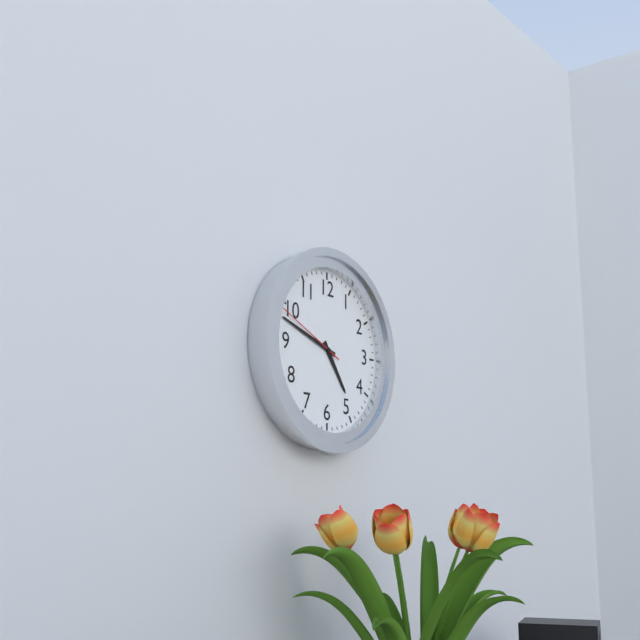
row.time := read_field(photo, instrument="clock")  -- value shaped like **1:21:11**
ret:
**4:48:49**
